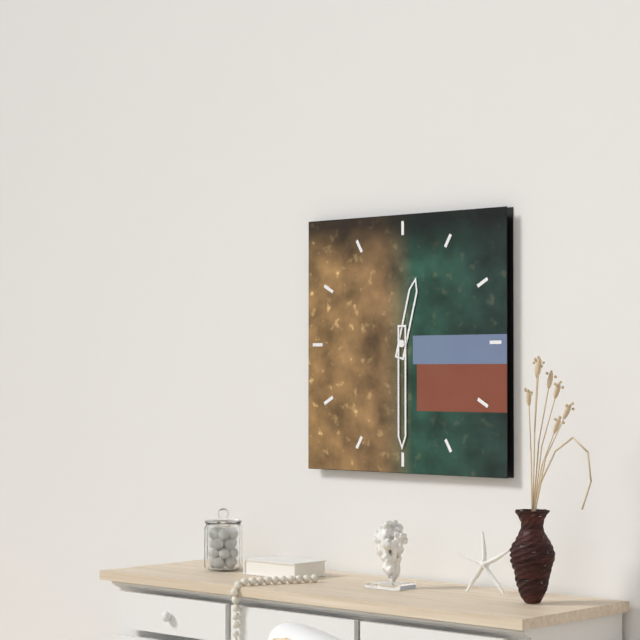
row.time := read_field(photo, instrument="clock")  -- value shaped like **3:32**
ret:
**12:30**
